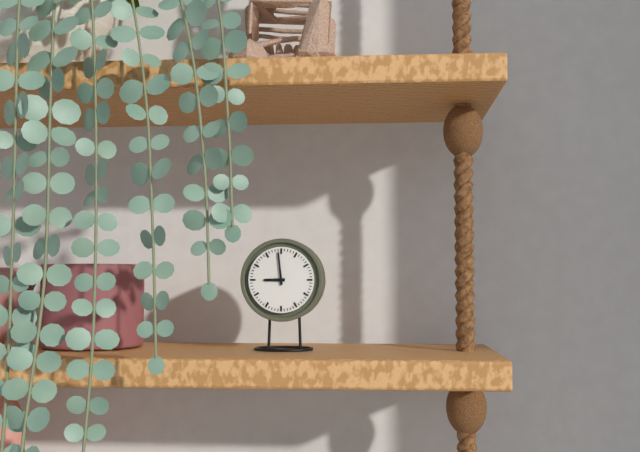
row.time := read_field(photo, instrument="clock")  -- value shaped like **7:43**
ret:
**8:59**
